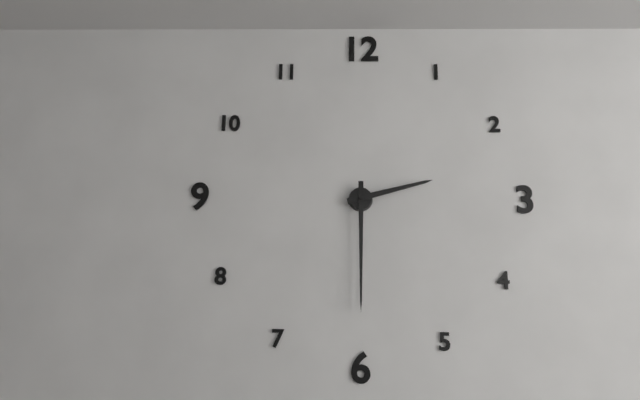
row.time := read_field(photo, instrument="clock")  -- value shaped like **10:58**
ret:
**2:30**
